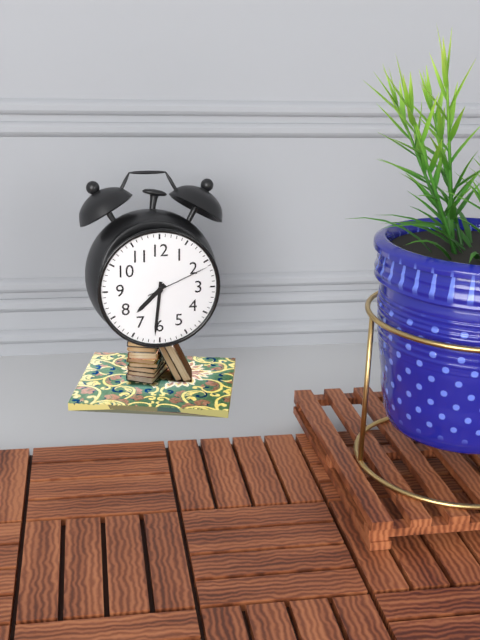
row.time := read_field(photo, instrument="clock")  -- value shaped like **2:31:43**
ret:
**7:31:11**
